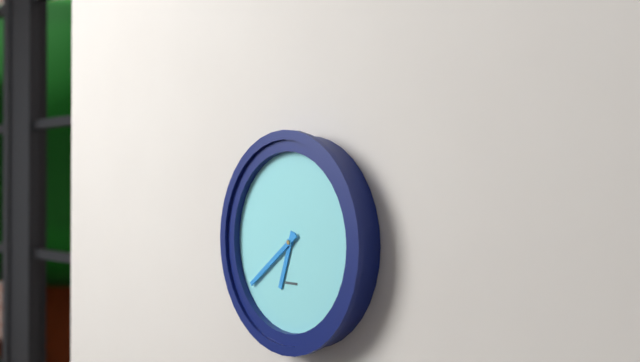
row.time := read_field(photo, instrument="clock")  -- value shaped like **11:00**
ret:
**6:39**
